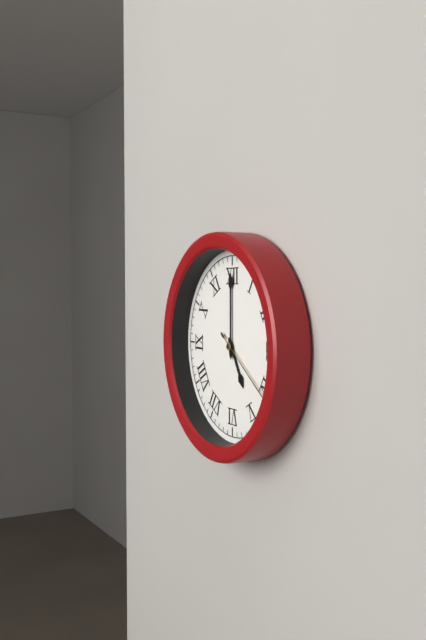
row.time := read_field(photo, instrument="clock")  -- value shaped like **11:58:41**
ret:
**5:00:21**
